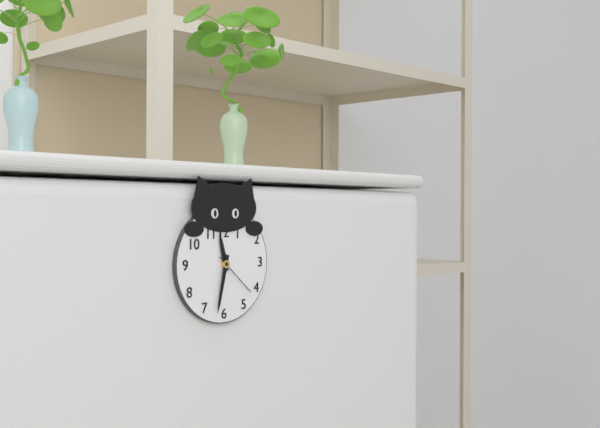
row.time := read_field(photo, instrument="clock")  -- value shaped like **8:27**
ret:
**11:32**
